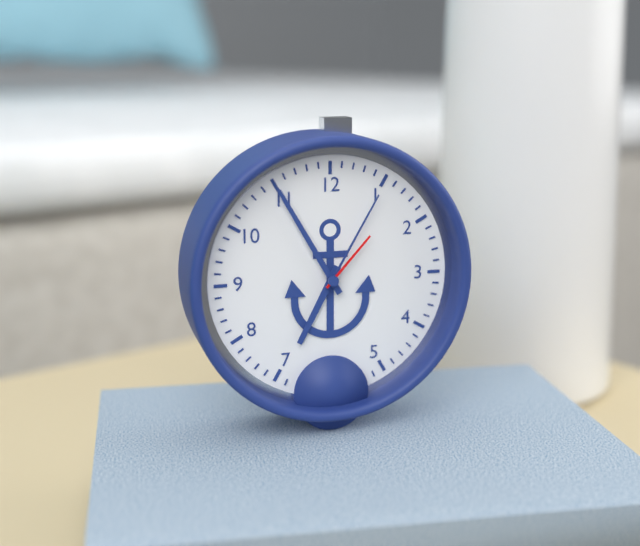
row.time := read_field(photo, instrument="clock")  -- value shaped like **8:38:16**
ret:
**6:55:07**
